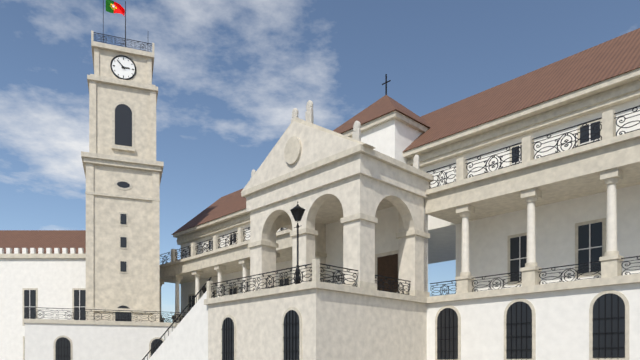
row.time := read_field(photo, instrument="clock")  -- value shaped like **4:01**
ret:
**2:53**
